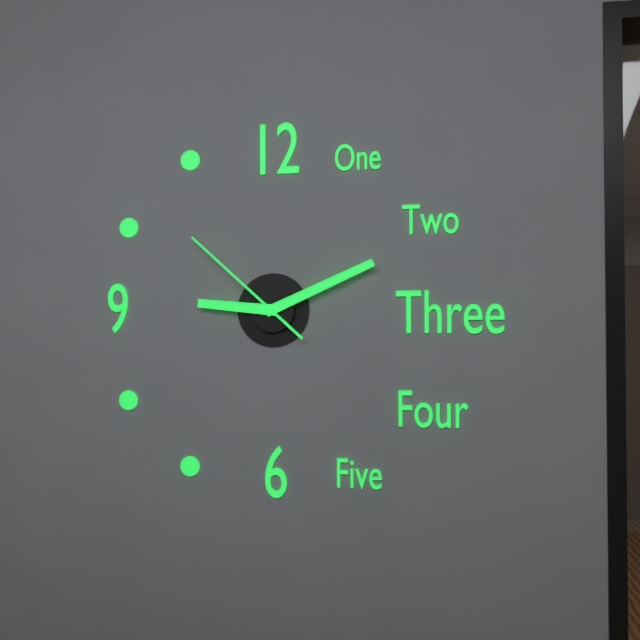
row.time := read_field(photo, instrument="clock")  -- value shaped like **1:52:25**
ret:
**9:11:52**
